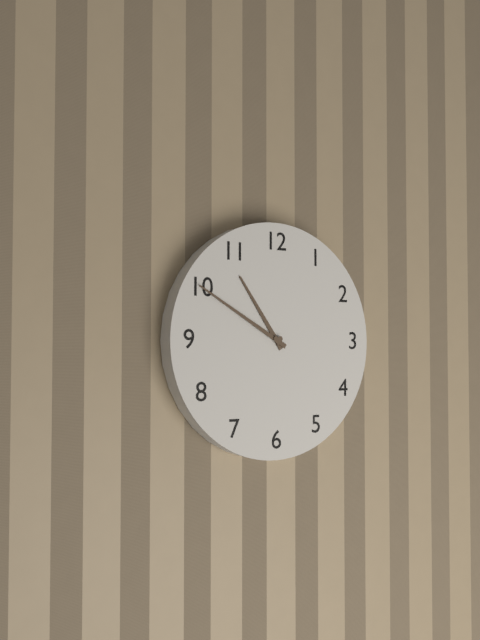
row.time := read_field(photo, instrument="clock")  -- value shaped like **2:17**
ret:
**10:50**
